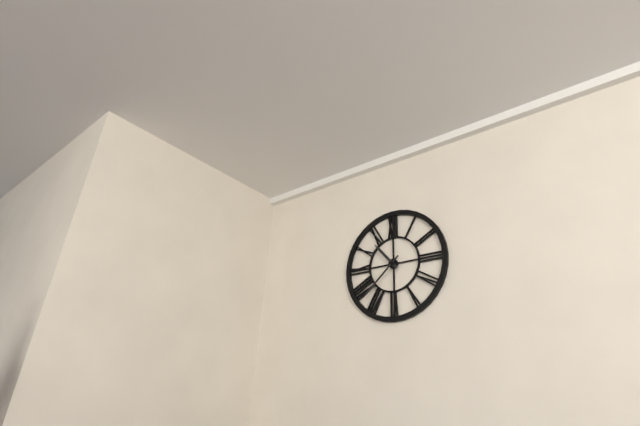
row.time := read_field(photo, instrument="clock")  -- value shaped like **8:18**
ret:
**10:38**
